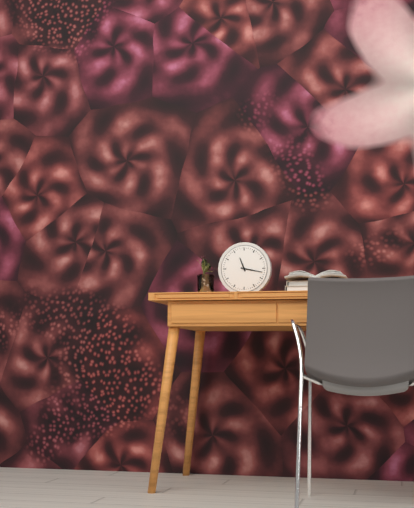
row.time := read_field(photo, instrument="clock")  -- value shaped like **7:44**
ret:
**11:17**
